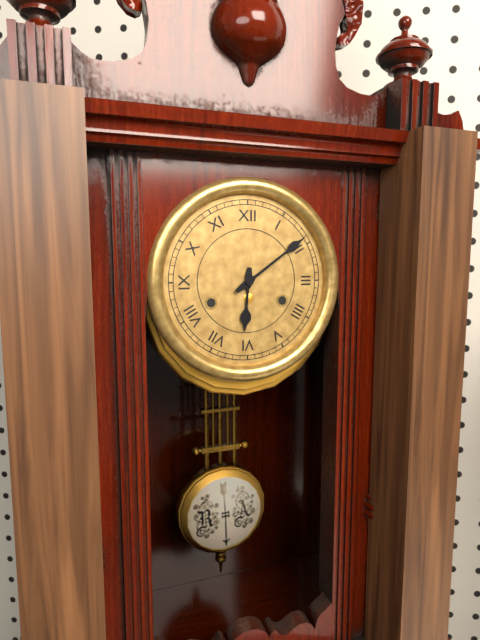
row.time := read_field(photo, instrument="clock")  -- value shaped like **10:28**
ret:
**6:09**
